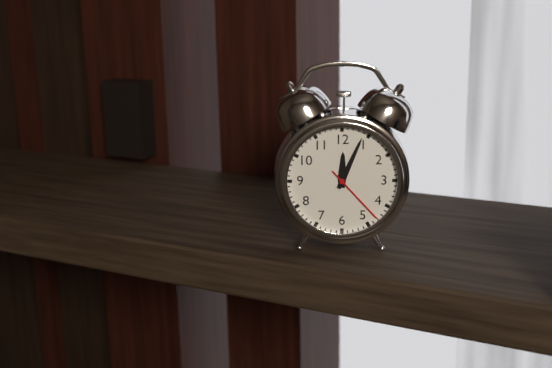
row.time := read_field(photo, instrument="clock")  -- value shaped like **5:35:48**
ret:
**12:04:23**
